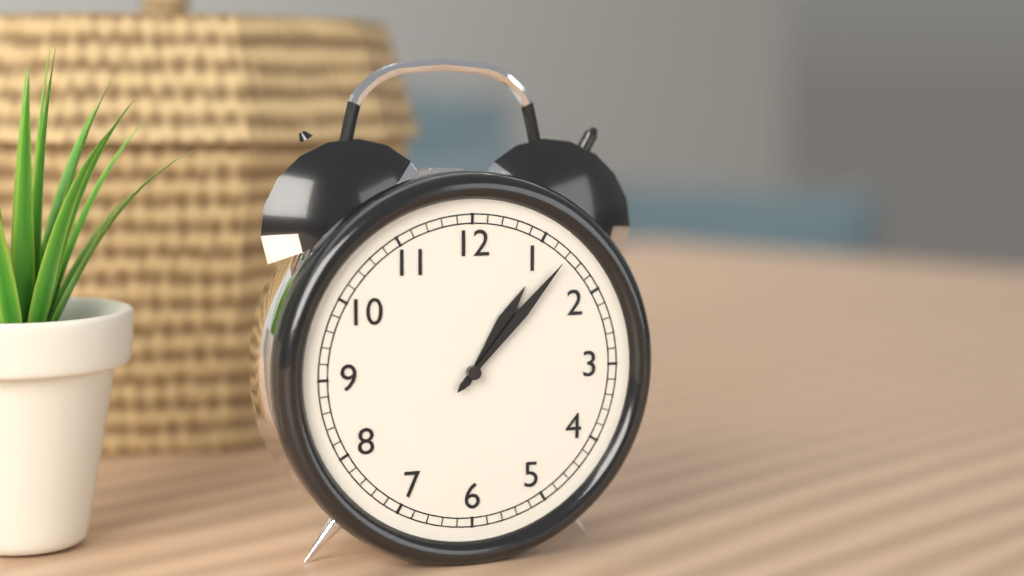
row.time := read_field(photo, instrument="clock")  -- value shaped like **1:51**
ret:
**1:07**
